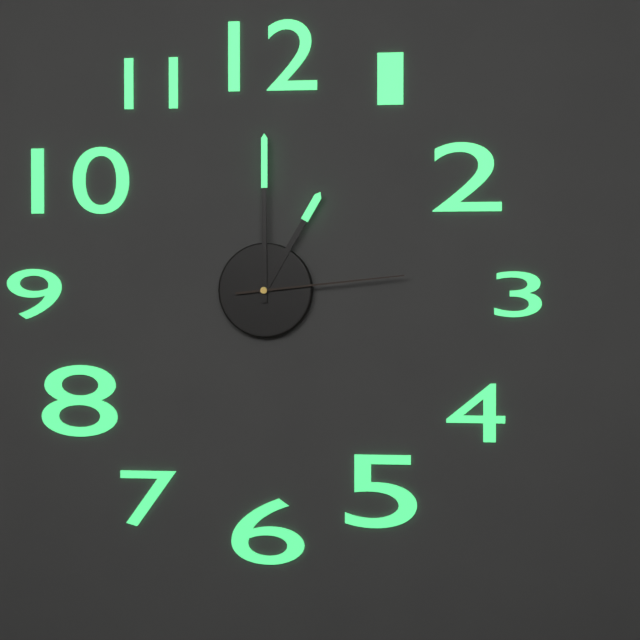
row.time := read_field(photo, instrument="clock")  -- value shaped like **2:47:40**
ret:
**1:00:14**
